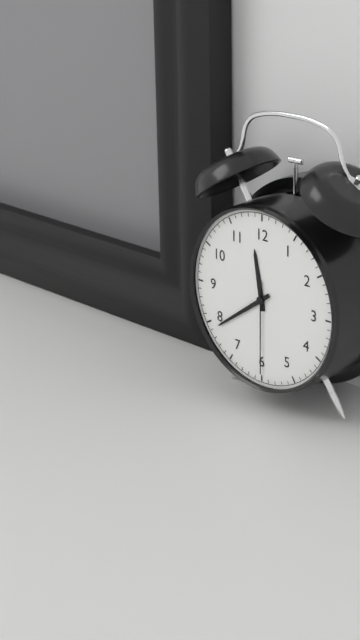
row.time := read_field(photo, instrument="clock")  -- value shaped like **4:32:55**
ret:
**11:39:30**
